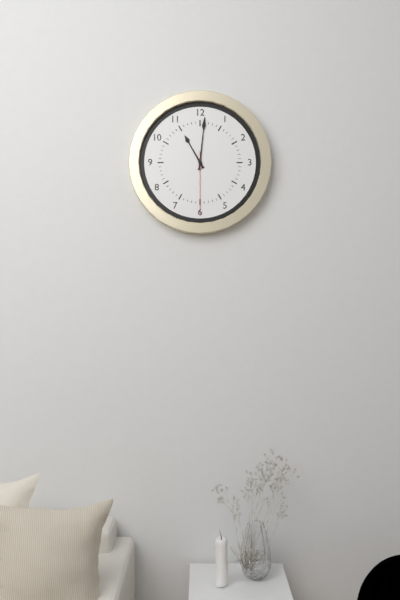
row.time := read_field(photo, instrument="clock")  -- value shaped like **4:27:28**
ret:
**11:01:30**
